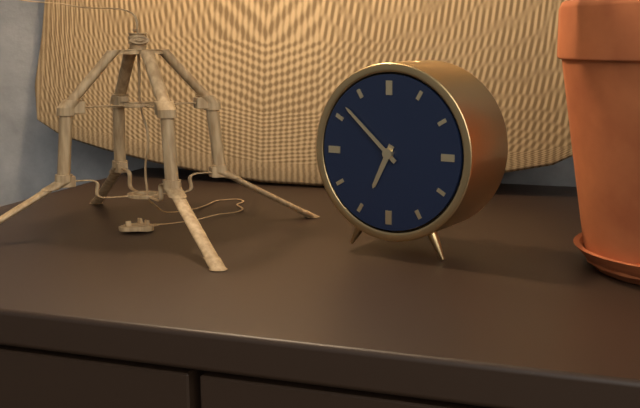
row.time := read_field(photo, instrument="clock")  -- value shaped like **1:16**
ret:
**6:52**
